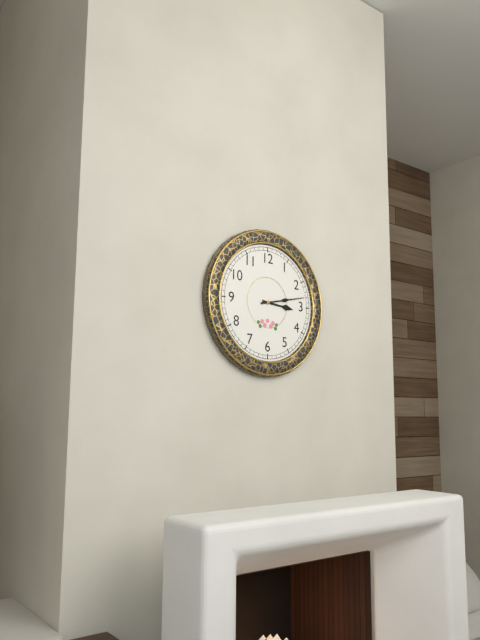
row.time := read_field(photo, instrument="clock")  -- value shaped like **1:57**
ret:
**3:13**
